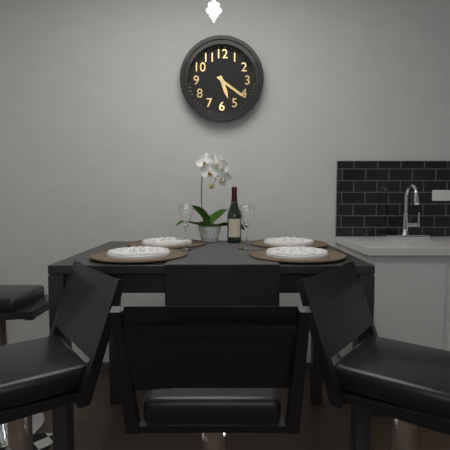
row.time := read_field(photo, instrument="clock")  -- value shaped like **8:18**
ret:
**5:21**
